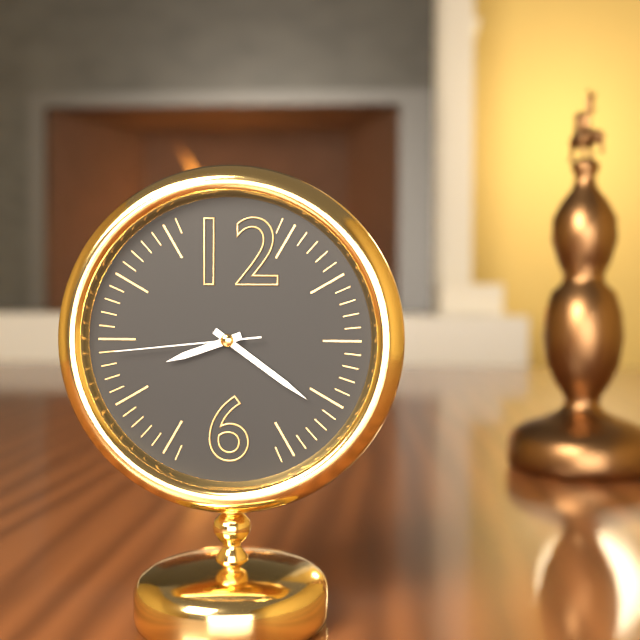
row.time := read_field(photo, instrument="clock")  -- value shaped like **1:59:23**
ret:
**8:21:44**
